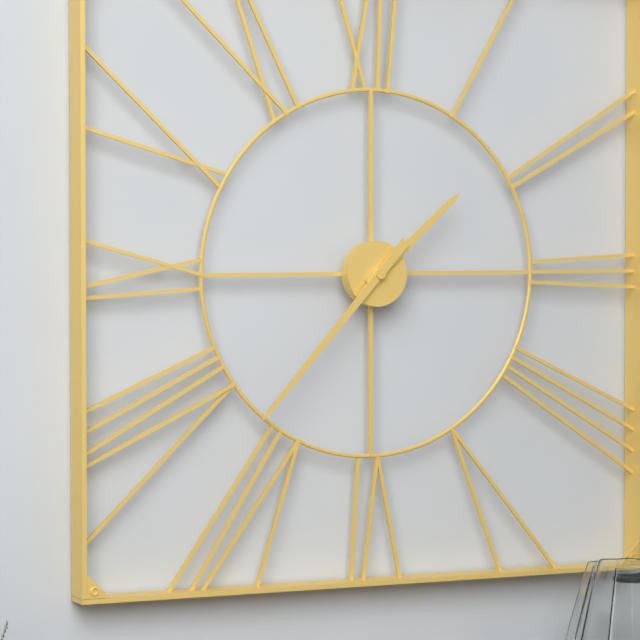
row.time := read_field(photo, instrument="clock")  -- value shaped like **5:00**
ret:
**1:37**
